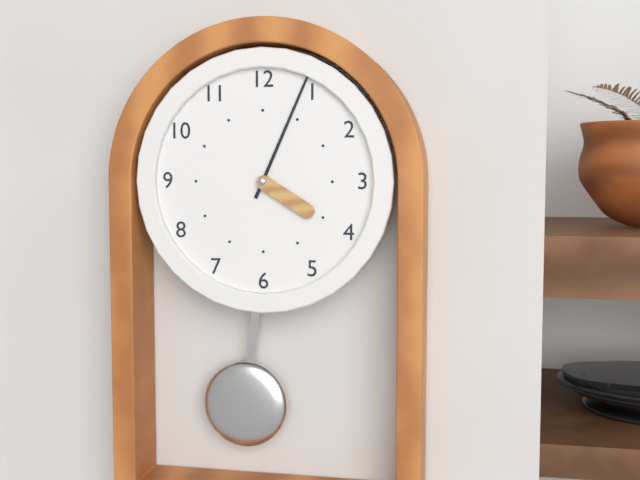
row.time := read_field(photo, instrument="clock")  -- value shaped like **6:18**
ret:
**4:04**
